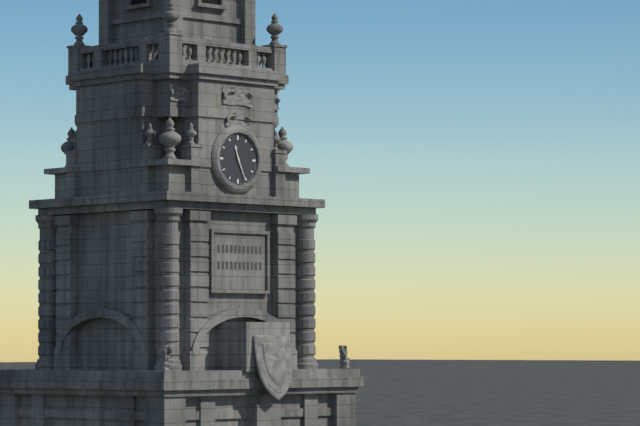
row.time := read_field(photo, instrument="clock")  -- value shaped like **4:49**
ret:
**11:26**
